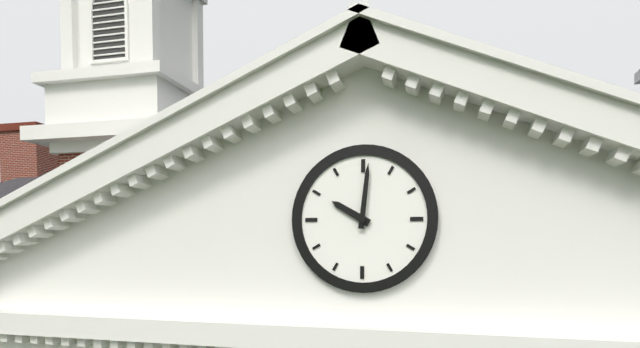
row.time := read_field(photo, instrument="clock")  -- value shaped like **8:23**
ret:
**10:01**
